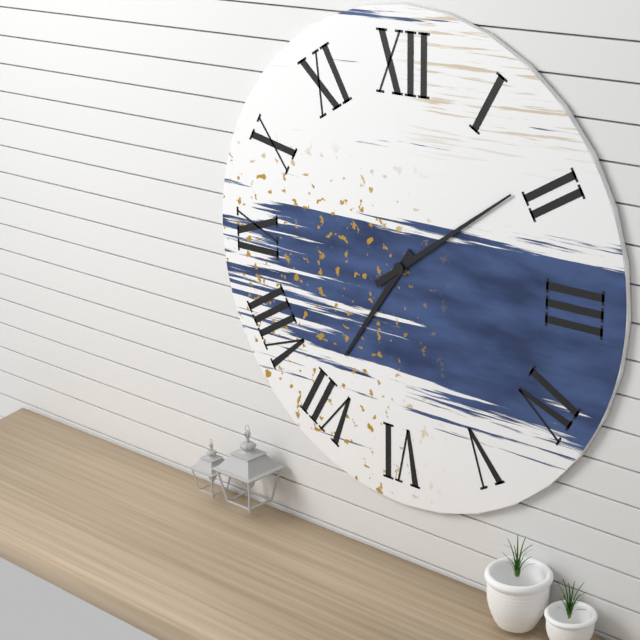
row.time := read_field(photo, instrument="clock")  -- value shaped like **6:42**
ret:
**7:09**
